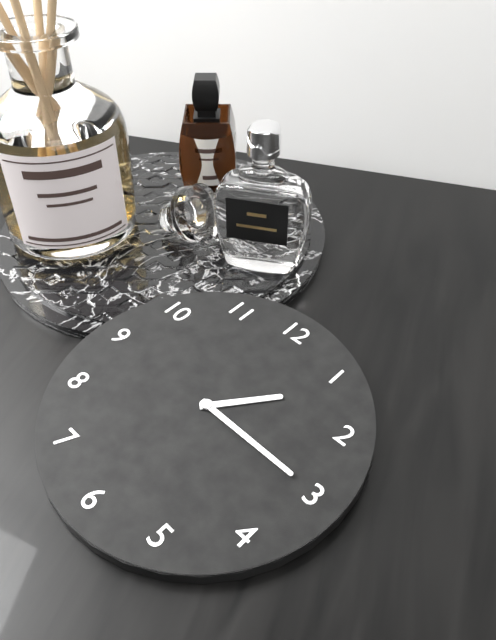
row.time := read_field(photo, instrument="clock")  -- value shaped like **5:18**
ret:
**1:15**
